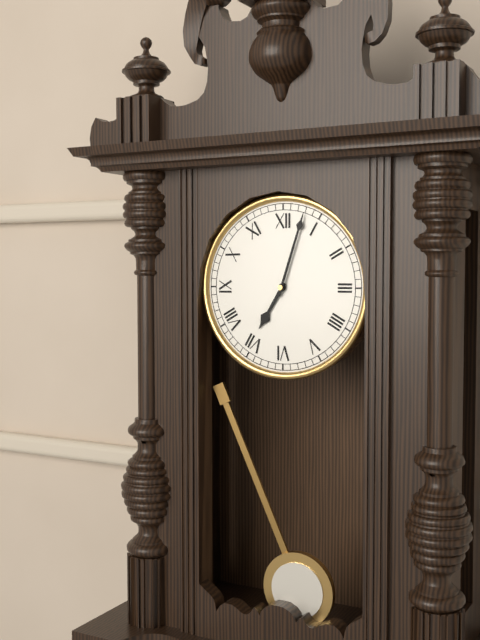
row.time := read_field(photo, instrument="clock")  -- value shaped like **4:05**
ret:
**7:03**
